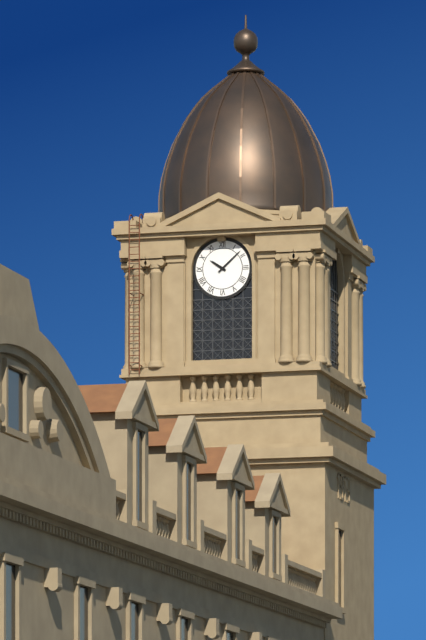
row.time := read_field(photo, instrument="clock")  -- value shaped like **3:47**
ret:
**10:08**
